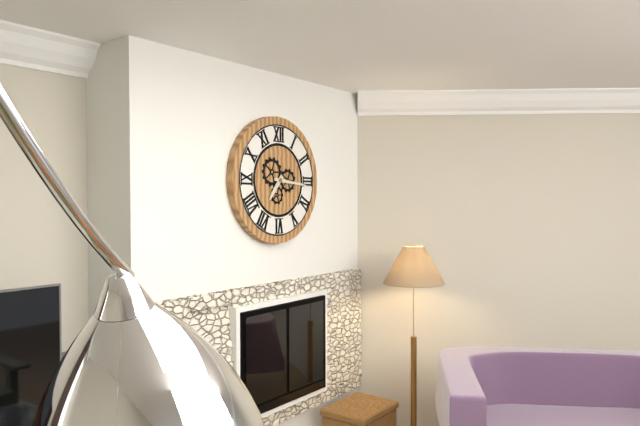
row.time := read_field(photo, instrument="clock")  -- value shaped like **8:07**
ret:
**7:16**
